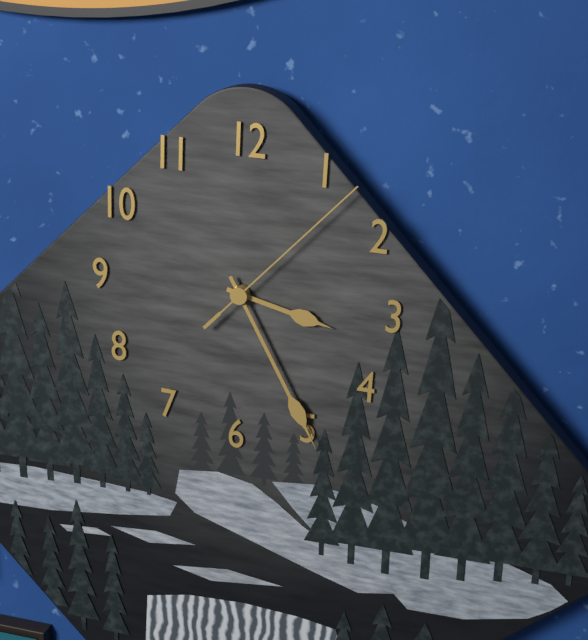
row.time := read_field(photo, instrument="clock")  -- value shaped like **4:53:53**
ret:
**3:25:07**
